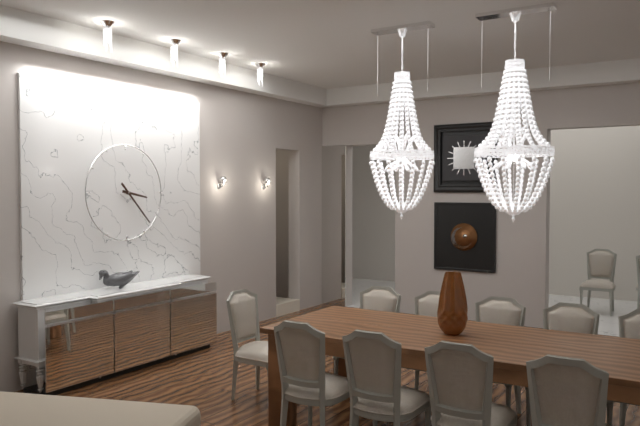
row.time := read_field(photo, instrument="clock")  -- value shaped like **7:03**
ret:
**3:23**
